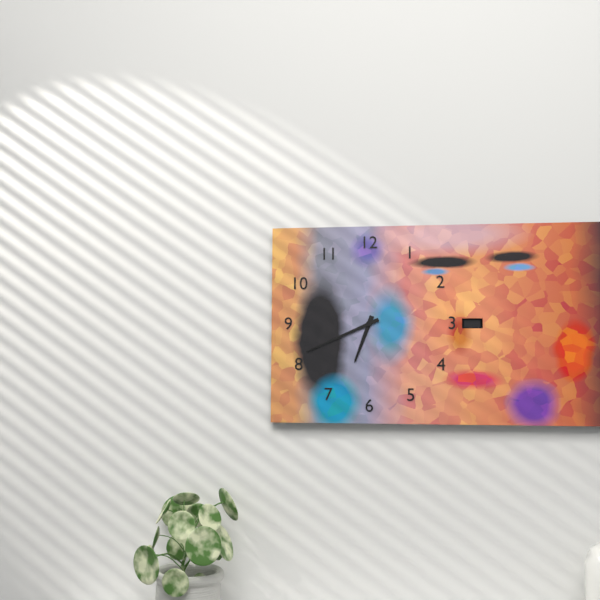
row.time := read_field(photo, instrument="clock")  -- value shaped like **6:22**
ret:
**6:41**
